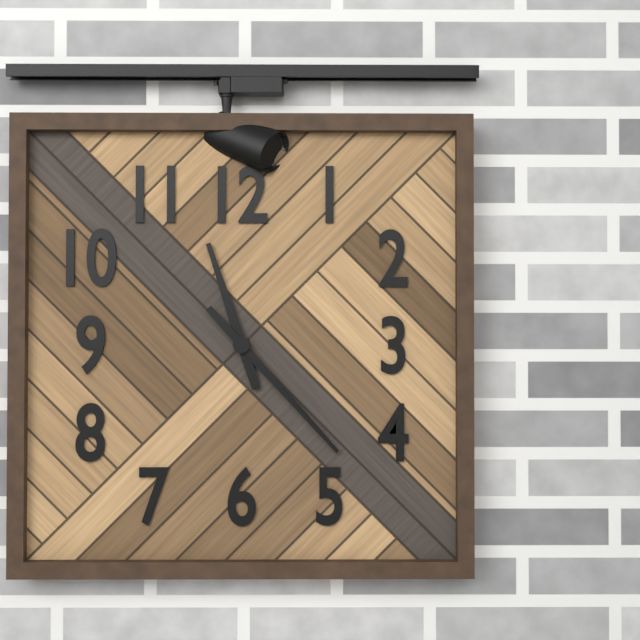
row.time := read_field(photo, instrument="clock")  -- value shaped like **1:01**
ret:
**11:23**
